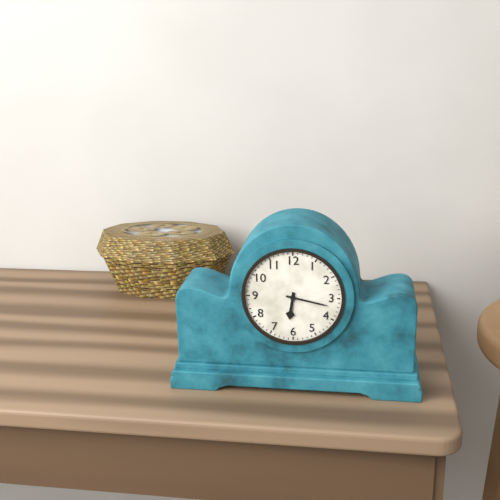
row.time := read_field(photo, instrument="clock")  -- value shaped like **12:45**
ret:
**6:17**
